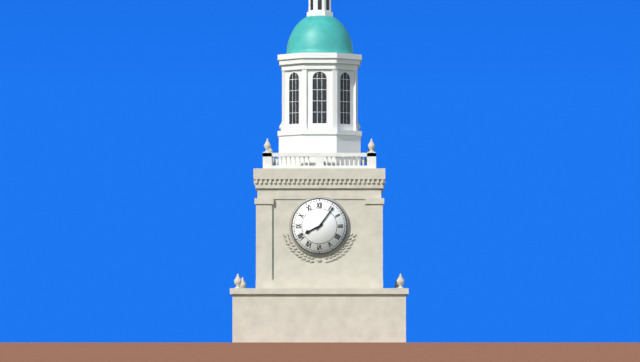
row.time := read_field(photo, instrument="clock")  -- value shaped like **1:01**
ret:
**8:06**
